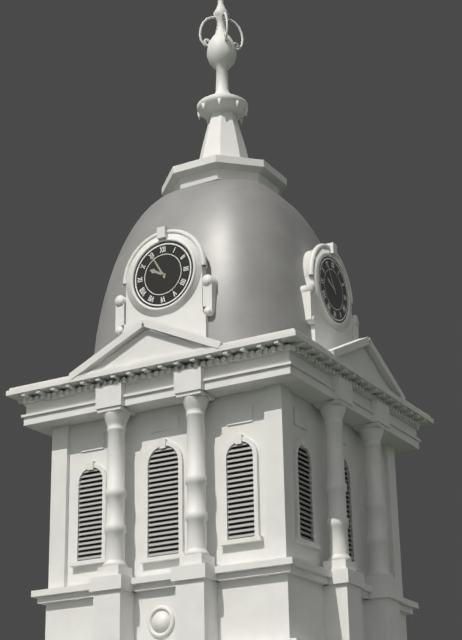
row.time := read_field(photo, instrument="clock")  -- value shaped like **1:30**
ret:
**9:55**
